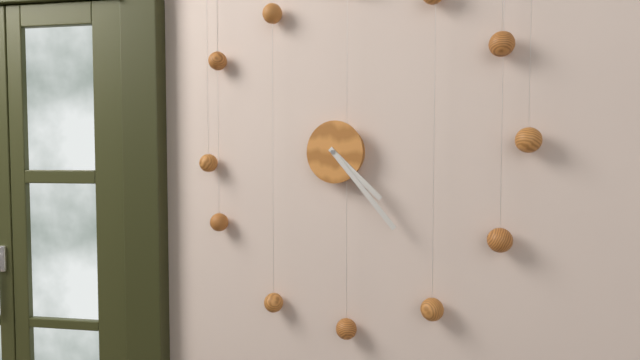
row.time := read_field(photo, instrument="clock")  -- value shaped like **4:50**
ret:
**4:23**
